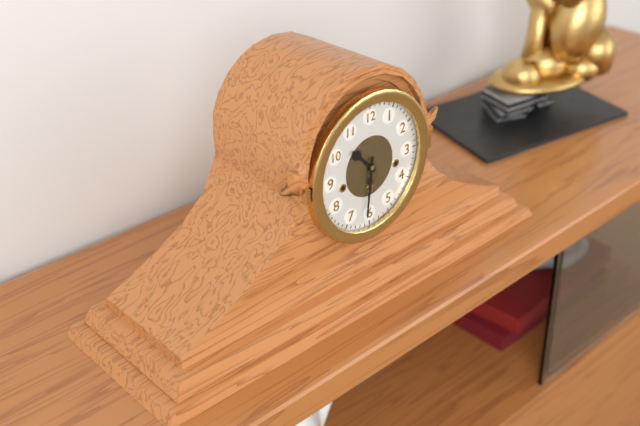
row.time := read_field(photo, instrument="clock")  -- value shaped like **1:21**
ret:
**10:31**
